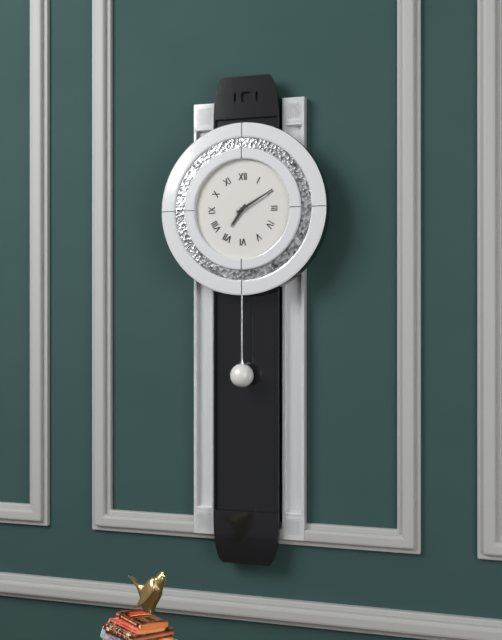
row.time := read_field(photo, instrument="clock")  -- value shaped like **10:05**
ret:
**7:10**
